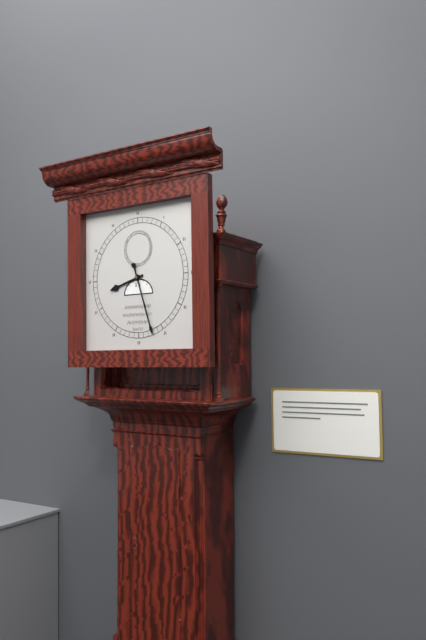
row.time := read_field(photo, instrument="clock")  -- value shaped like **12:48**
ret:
**8:27**
